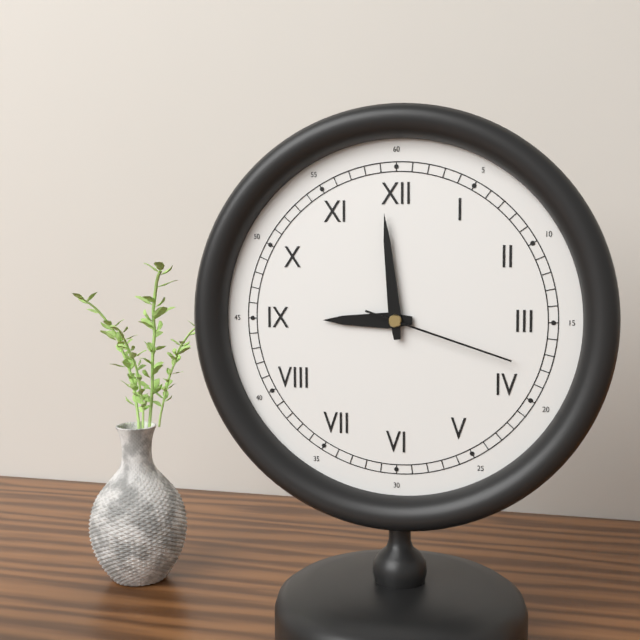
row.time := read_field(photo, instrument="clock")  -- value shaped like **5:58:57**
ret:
**8:59:18**
